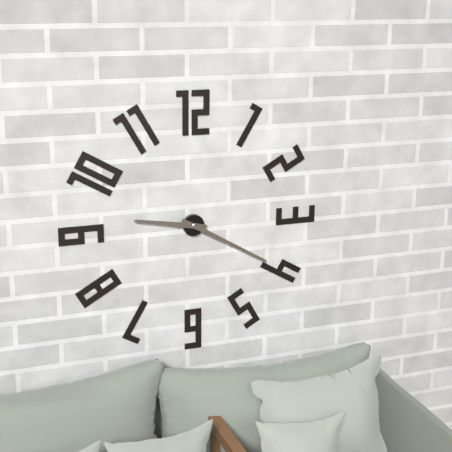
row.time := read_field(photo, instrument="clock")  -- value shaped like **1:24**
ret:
**9:20**
